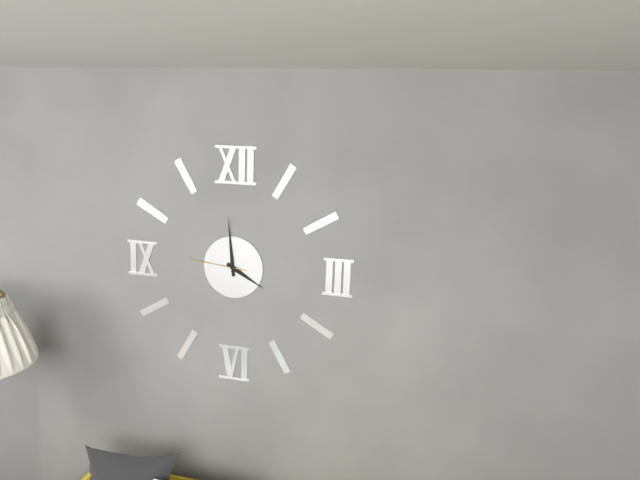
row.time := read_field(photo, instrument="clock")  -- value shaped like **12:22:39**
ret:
**3:59:46**
